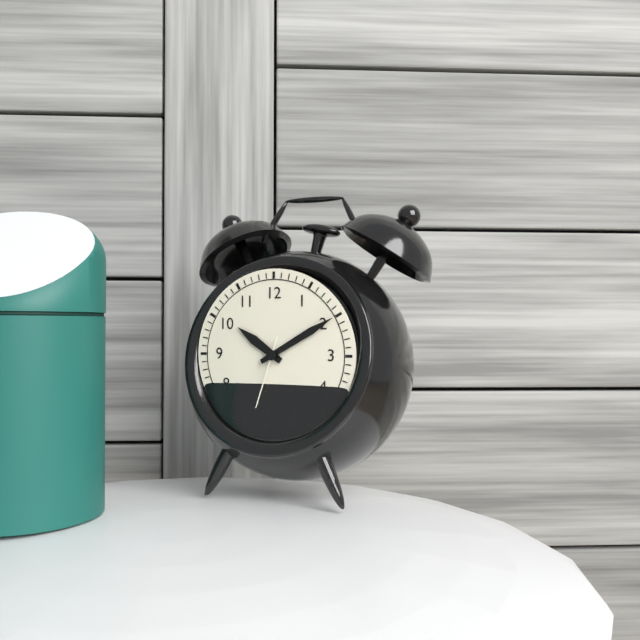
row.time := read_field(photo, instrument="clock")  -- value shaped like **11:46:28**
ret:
**10:10:33**
